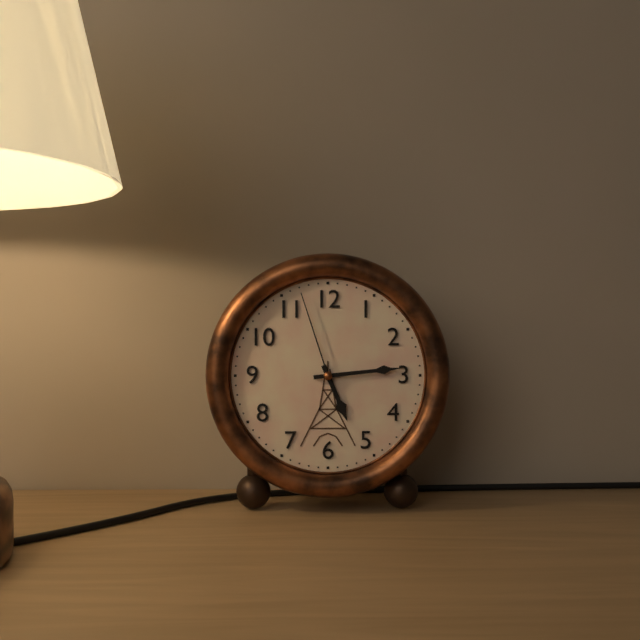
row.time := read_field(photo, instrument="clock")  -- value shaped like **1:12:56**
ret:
**5:14:57**
